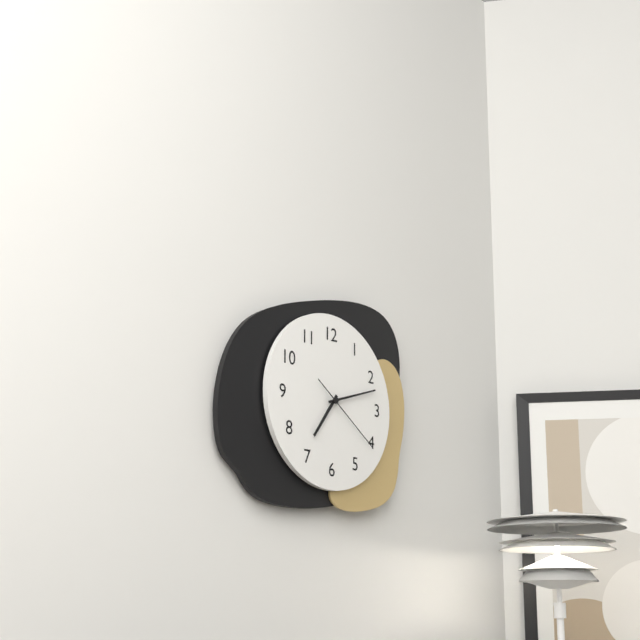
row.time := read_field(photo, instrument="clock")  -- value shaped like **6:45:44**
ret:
**7:12:21**
